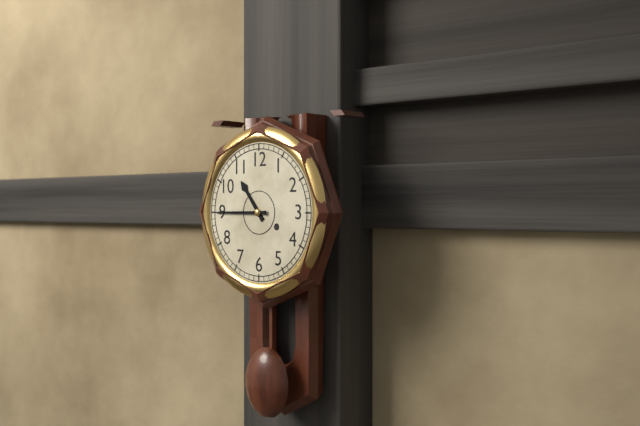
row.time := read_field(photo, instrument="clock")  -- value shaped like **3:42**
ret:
**10:45**
